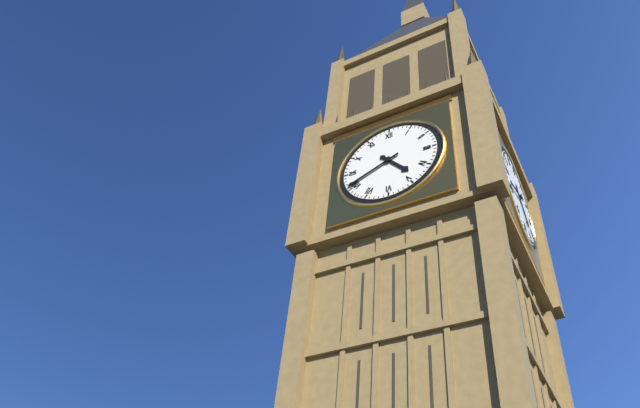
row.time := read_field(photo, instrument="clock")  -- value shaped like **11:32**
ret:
**4:41**
